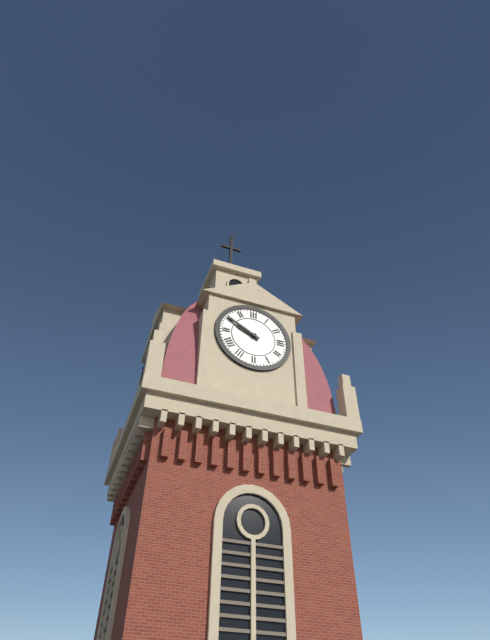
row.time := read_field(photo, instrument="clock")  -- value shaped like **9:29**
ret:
**9:50**
